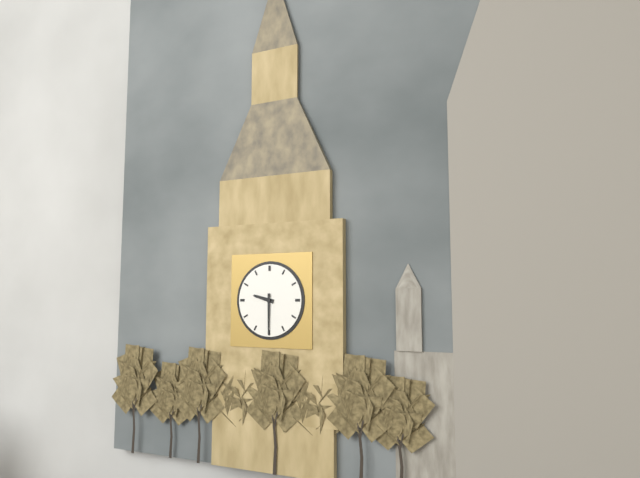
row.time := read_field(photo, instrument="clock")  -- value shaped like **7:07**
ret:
**9:30**
